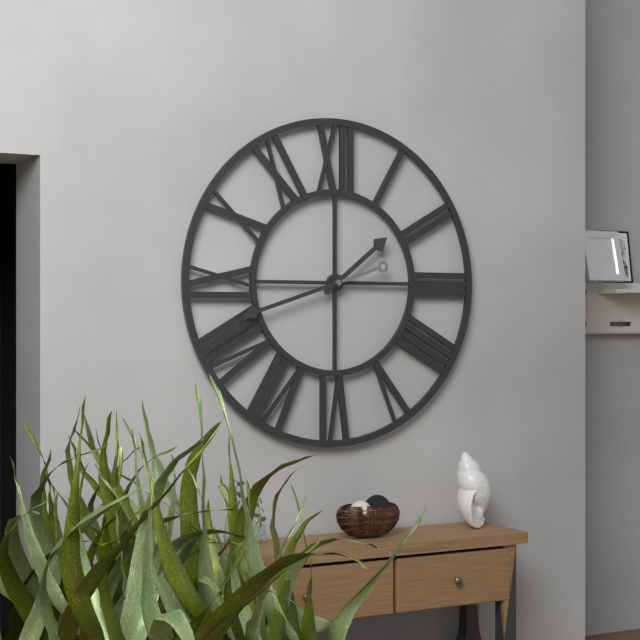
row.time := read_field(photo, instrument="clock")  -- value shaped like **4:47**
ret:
**1:42**
